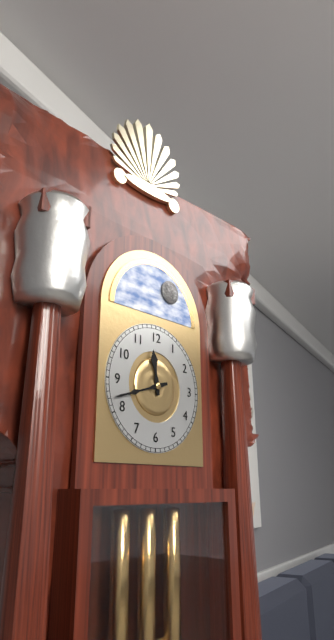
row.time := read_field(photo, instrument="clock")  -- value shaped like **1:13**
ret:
**11:42**
